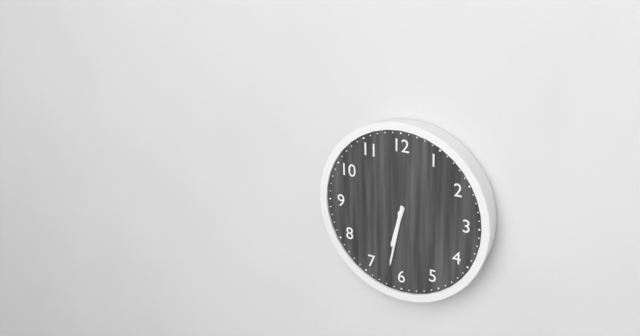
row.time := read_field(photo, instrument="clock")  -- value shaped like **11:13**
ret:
**6:32**
